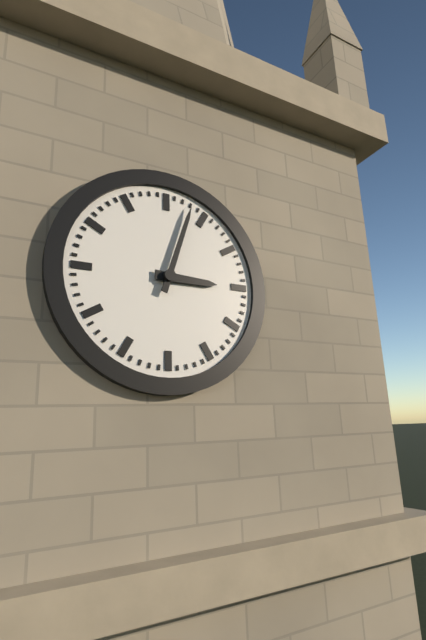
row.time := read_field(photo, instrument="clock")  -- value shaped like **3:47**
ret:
**3:03**
